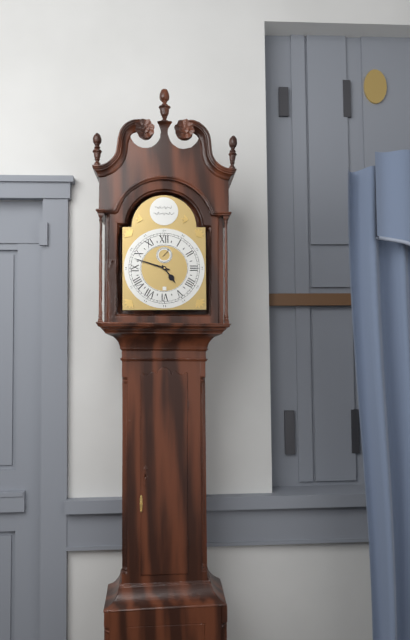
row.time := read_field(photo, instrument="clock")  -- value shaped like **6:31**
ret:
**4:48**
